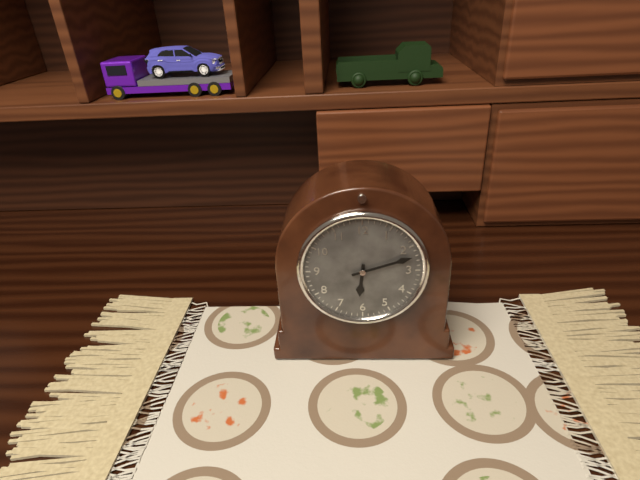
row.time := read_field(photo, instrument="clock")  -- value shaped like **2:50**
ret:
**6:12**
